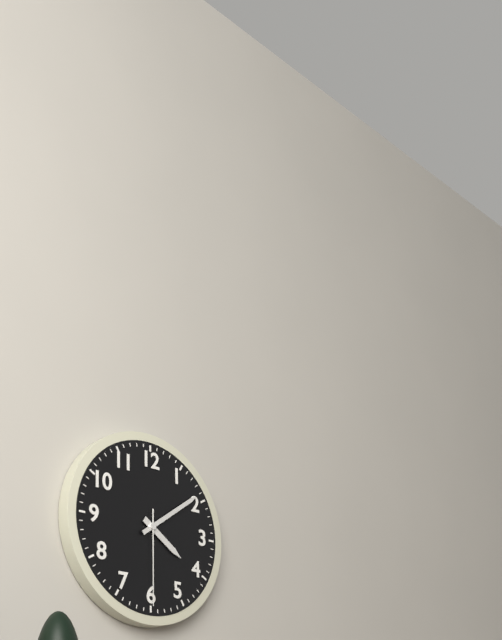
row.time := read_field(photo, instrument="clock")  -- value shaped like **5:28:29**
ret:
**4:09:30**
